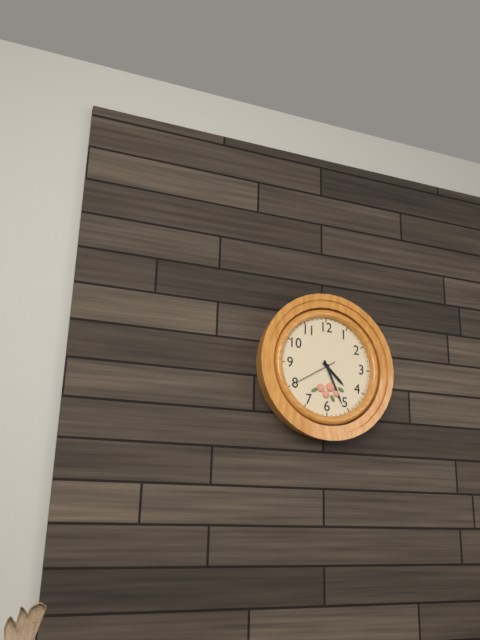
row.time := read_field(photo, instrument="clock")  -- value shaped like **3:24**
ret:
**4:26**
